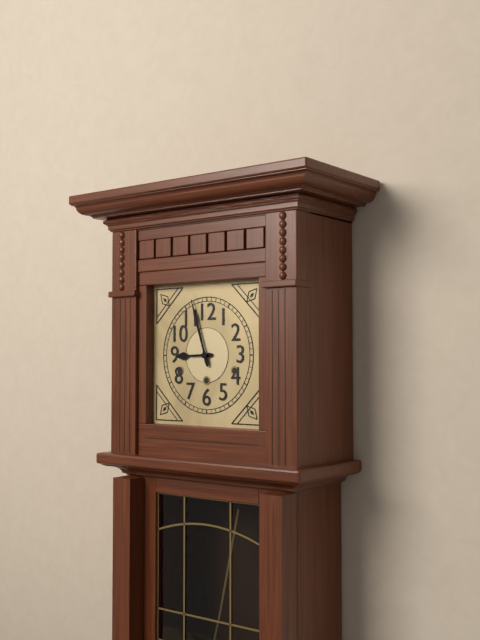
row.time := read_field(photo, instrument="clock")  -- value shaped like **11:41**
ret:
**8:57**
